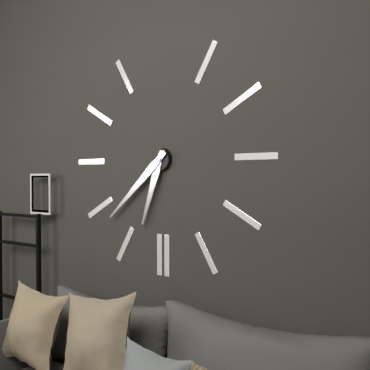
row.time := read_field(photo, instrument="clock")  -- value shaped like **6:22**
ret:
**6:38**
